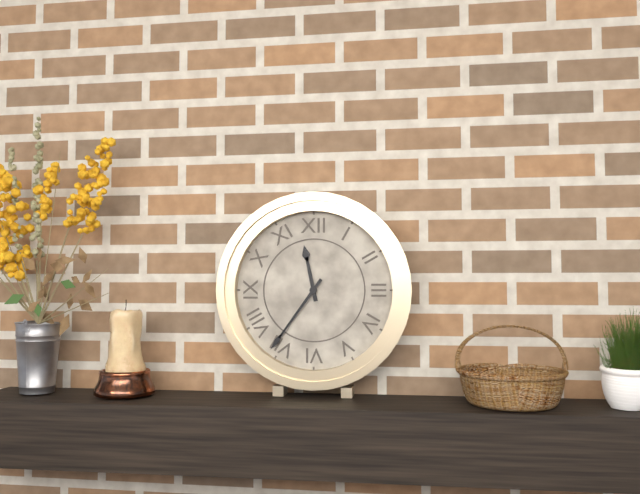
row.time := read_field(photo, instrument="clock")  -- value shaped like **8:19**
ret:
**11:36**
